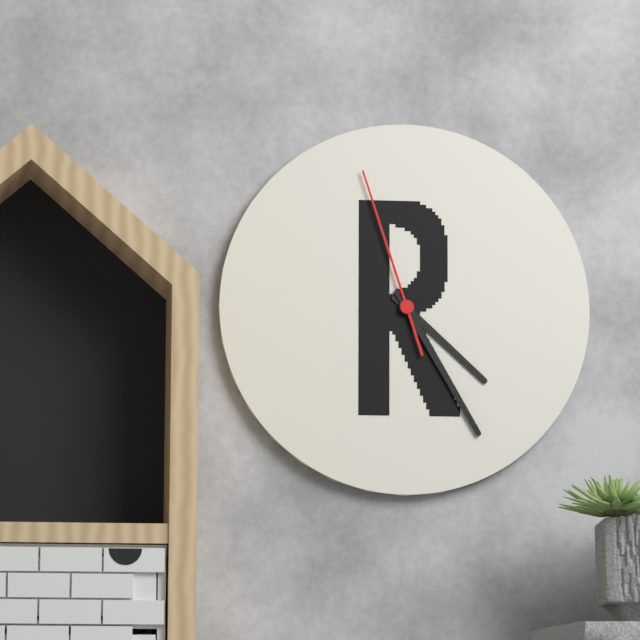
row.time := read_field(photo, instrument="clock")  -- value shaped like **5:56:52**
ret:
**4:25:57**
